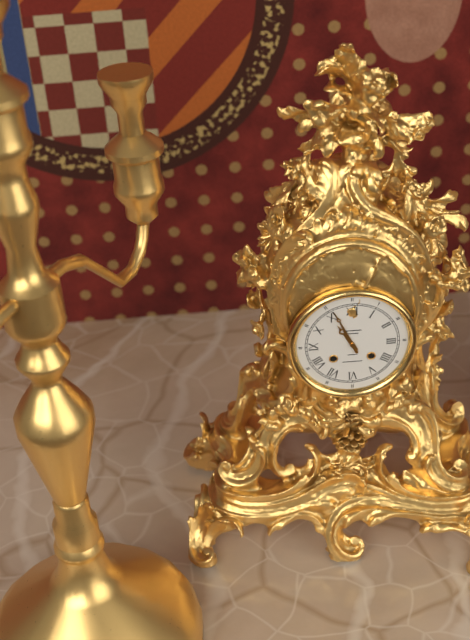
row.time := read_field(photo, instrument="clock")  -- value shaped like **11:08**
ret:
**10:56**
